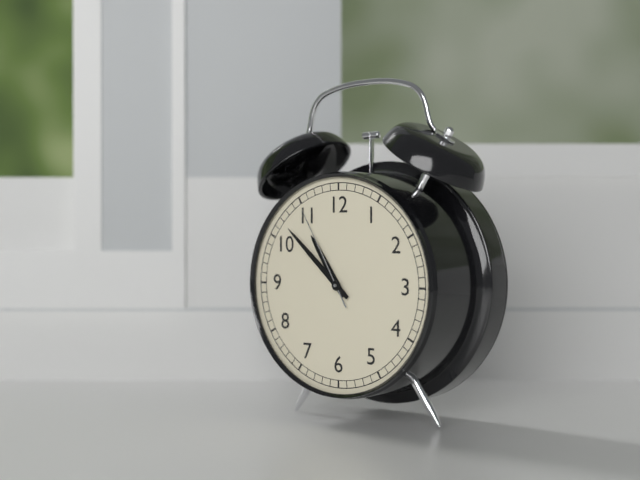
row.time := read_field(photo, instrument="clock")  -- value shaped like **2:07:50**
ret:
**10:52:55**
